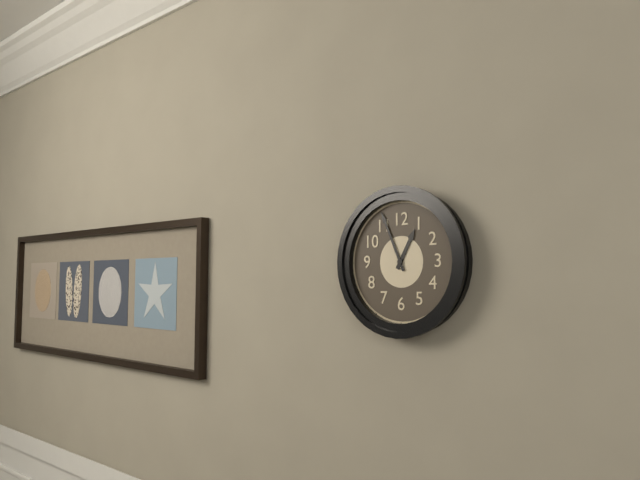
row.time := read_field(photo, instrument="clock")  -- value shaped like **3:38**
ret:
**12:56**
